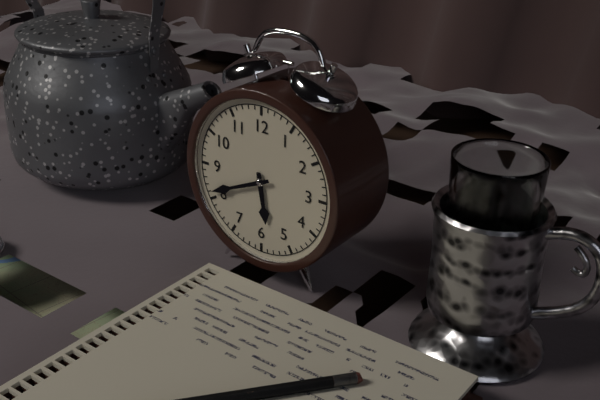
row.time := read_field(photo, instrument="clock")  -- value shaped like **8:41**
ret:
**5:41**
